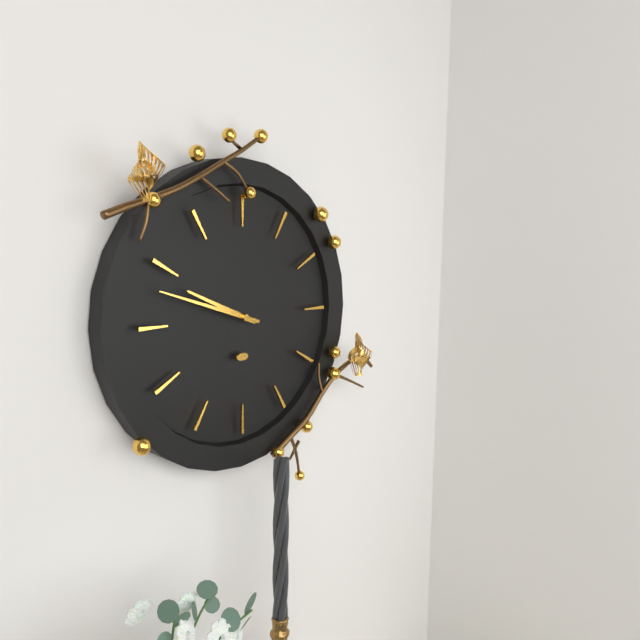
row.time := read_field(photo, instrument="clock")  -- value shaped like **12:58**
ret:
**9:48**
